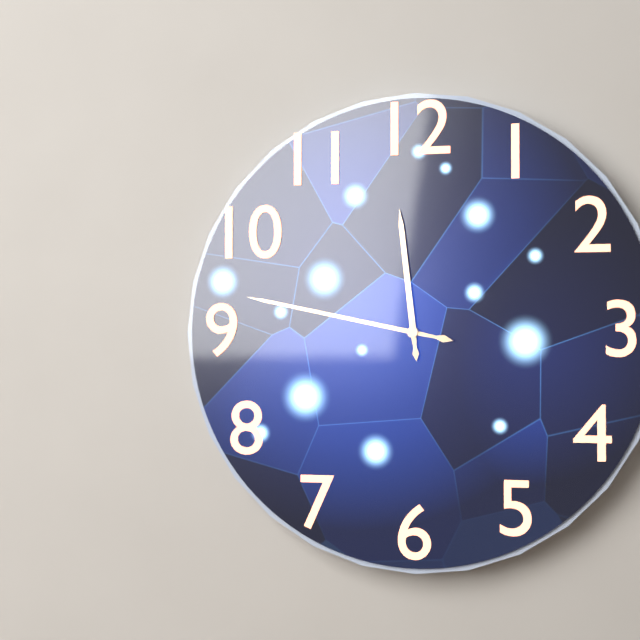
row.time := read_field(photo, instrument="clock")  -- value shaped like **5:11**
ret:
**11:47**
